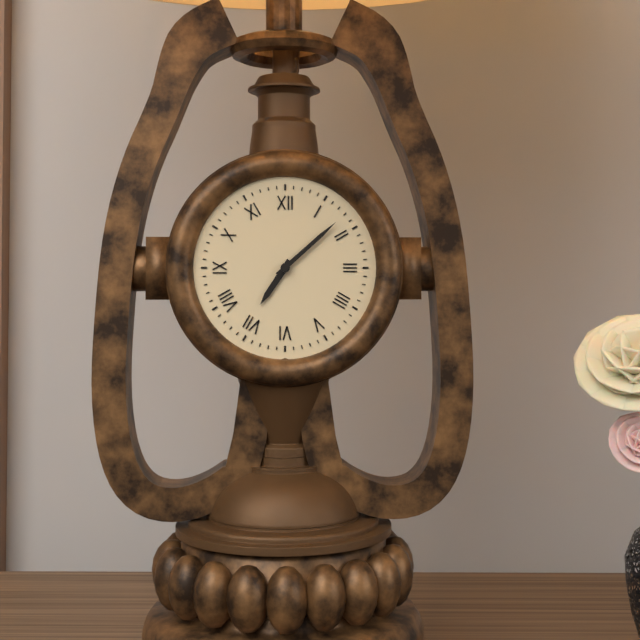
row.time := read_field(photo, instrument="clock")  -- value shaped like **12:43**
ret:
**7:08**
